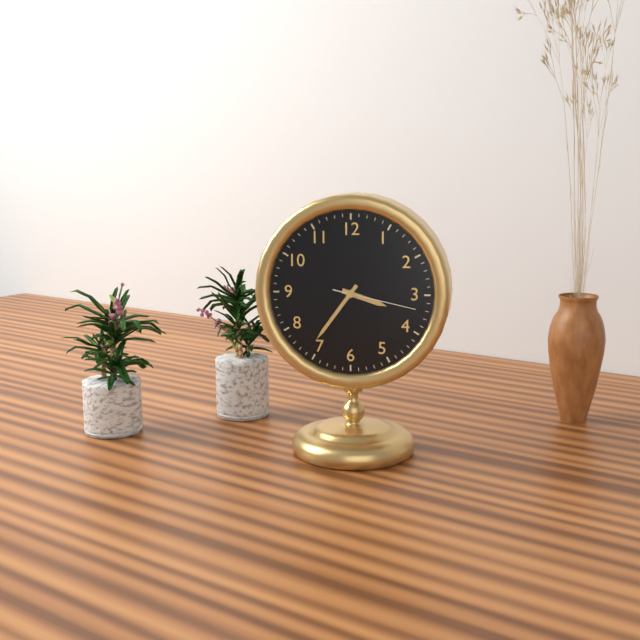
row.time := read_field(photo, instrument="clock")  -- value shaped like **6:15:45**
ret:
**3:36:17**
